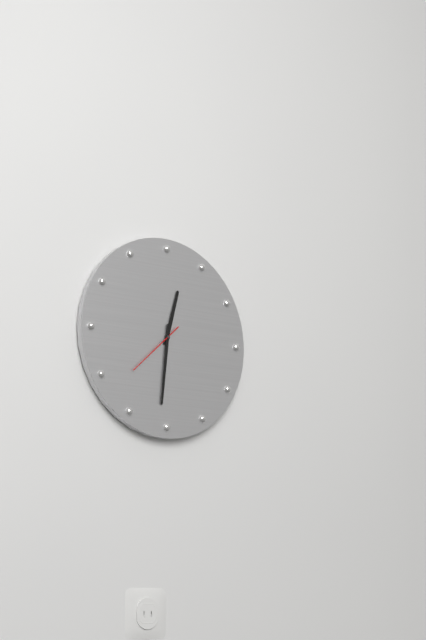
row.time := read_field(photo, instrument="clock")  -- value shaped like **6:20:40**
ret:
**12:31:38**
